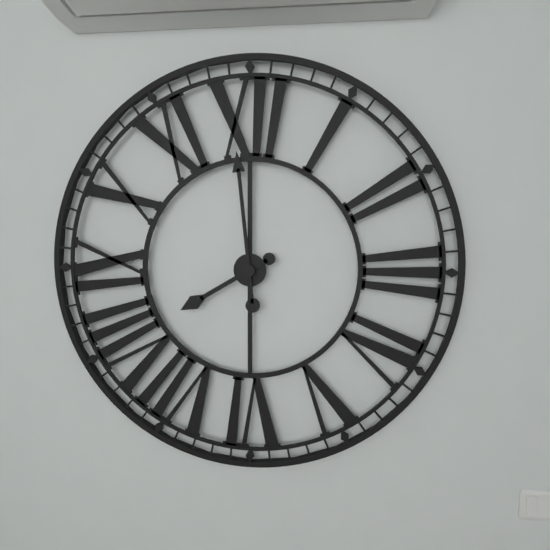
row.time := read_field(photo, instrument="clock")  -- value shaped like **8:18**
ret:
**7:59**
